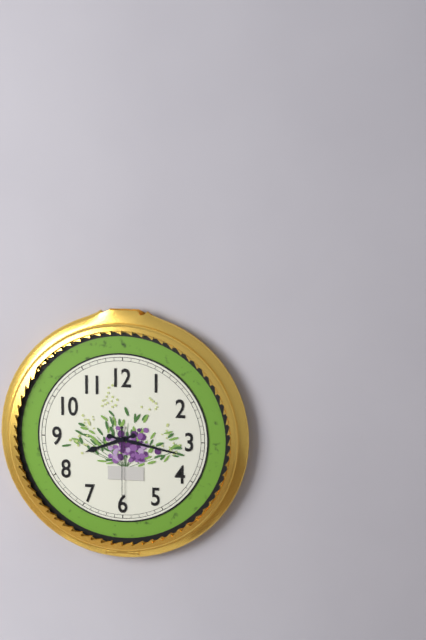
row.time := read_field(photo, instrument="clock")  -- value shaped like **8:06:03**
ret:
**8:17:30**
